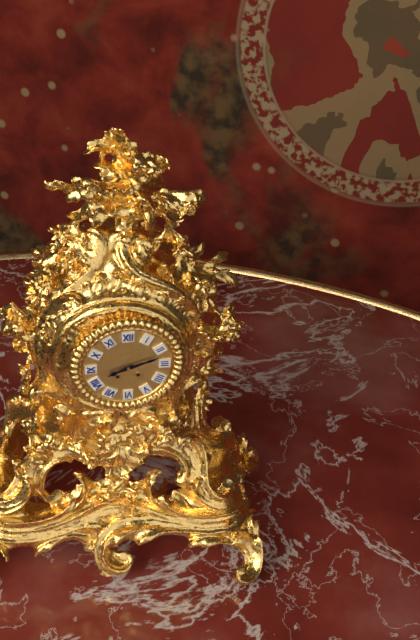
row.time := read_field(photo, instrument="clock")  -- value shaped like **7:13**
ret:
**8:12**
